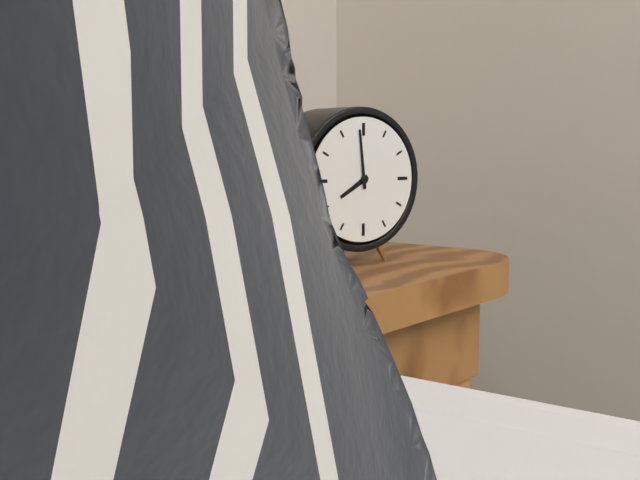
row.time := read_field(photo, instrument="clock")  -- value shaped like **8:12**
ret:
**7:59**
